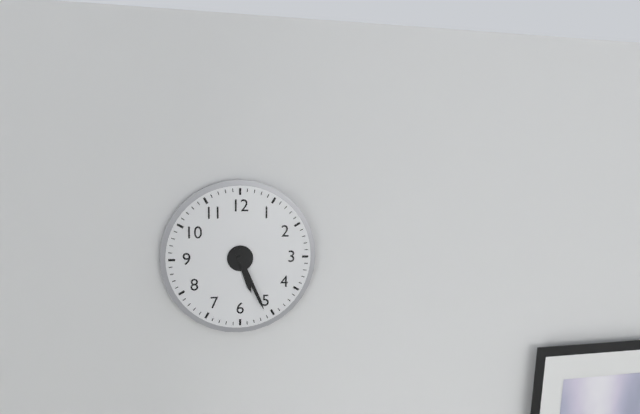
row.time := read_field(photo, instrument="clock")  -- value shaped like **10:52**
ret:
**5:26**
